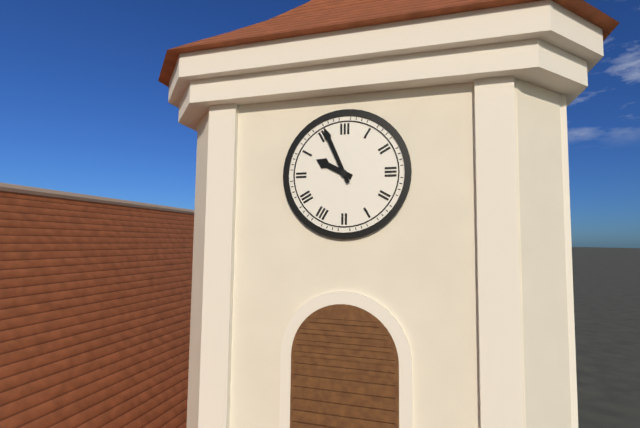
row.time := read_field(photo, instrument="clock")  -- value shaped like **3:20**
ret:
**9:56**
